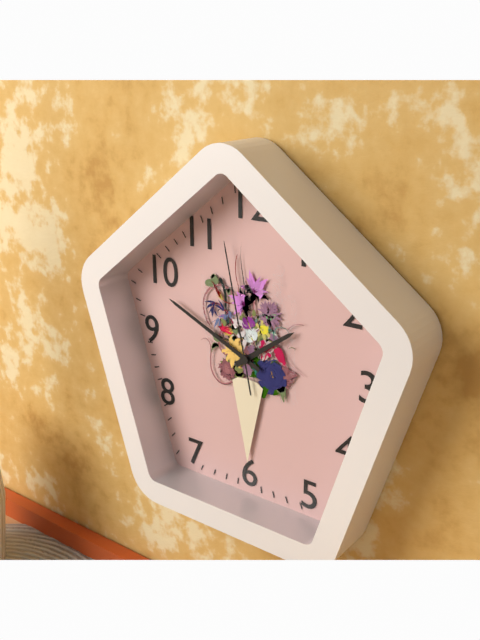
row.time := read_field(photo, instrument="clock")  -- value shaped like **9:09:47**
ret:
**1:49:58**
